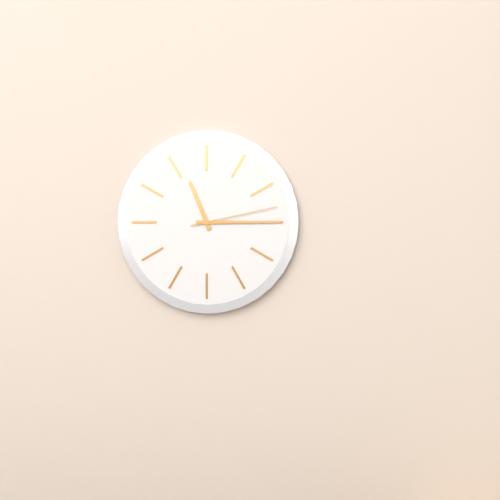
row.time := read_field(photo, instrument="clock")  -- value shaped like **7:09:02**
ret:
**11:15:13**
